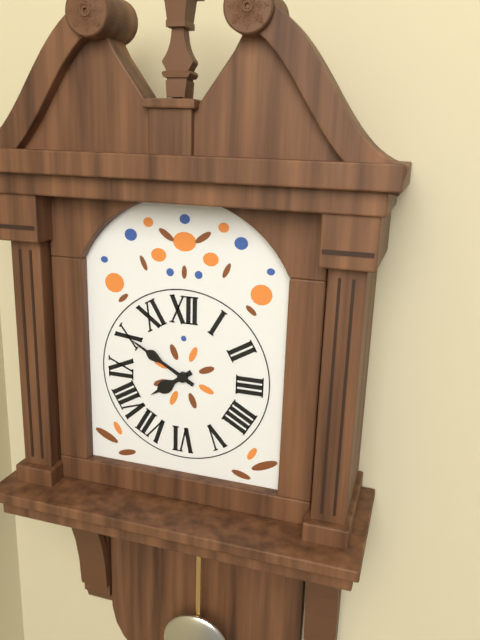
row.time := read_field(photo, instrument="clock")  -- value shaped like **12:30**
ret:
**7:50**
